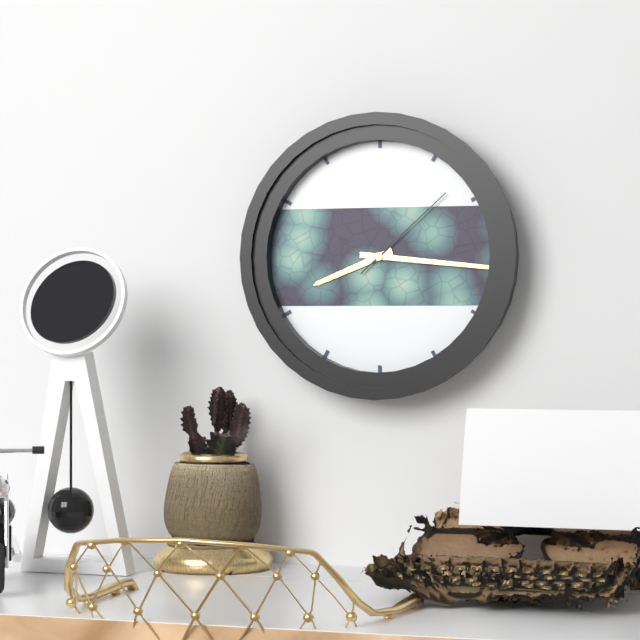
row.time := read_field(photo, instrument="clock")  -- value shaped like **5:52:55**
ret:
**8:16:08**
